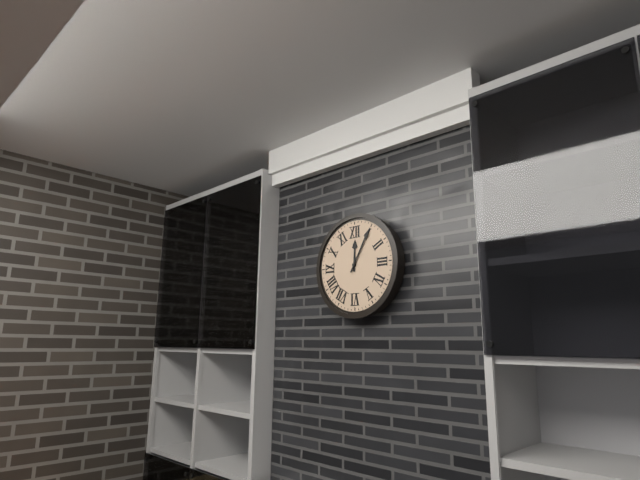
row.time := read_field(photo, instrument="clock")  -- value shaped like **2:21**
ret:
**12:05**
